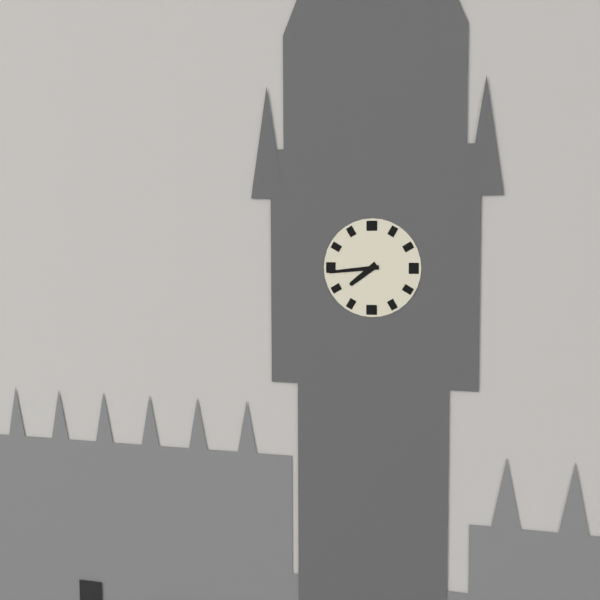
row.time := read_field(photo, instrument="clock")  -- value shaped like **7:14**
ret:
**7:44**
